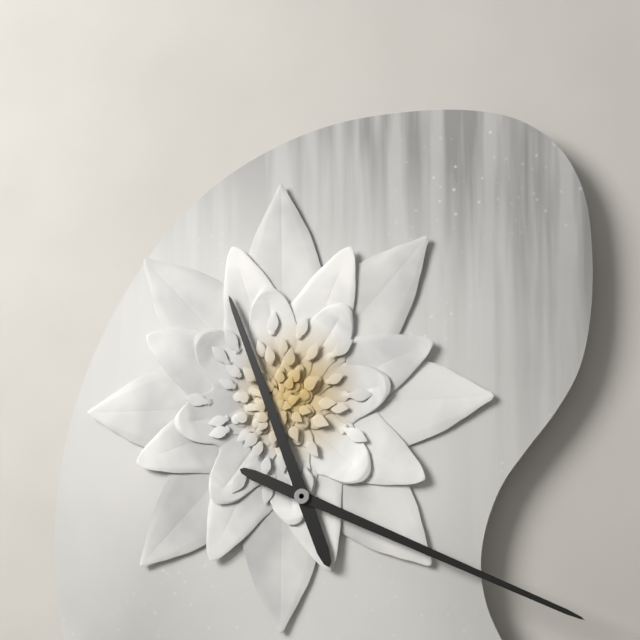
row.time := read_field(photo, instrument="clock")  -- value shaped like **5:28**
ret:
**11:19**
